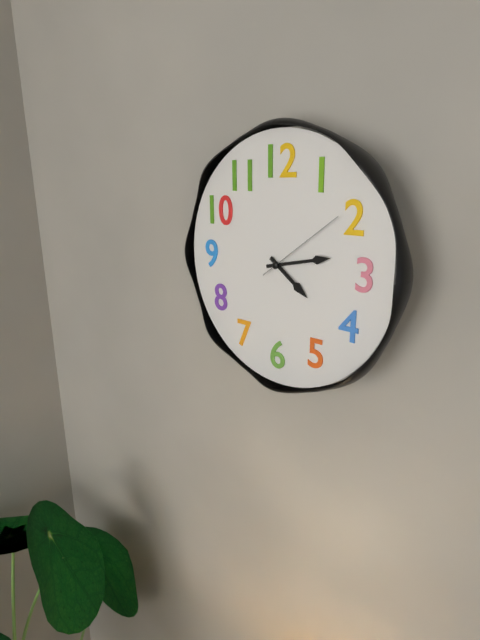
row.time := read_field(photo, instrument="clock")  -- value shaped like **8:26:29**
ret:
**4:13:09**
